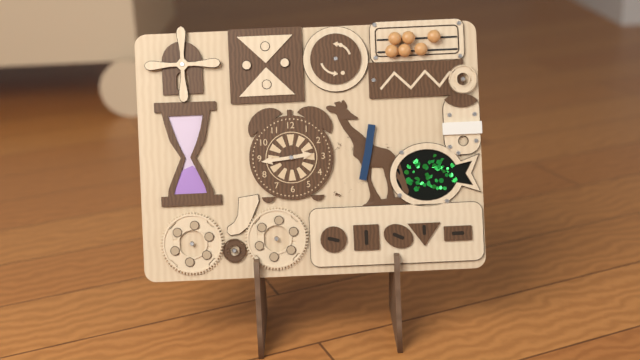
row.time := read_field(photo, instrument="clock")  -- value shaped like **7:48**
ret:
**2:44**
